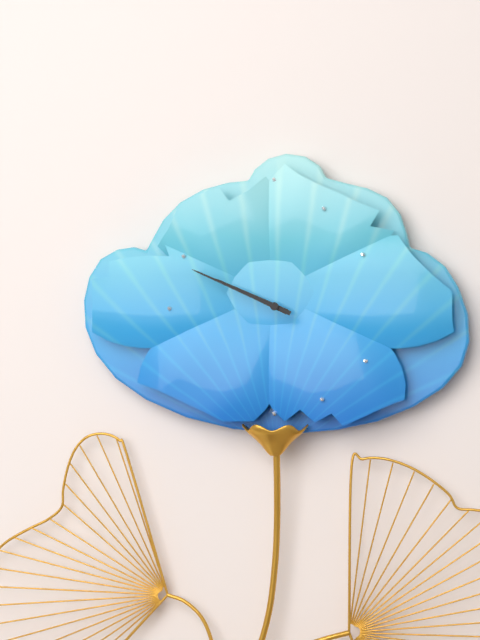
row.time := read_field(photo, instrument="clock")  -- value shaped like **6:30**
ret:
**9:49**
